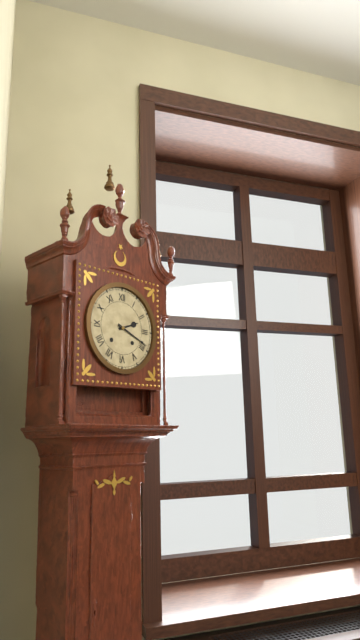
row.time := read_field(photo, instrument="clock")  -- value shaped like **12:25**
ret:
**2:19**
